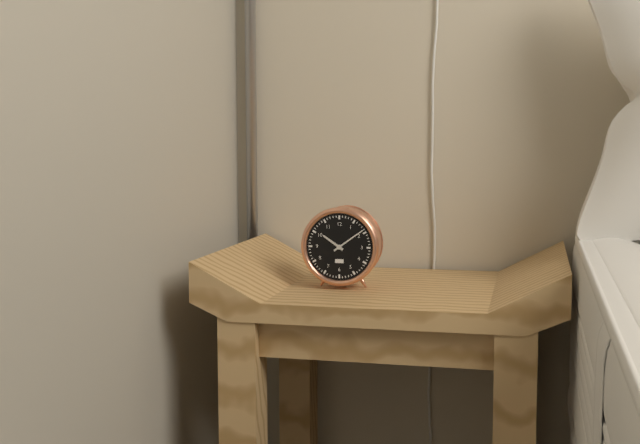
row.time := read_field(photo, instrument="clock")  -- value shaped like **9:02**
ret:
**10:09**
